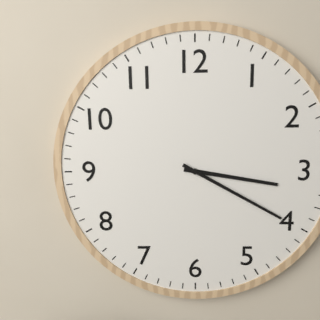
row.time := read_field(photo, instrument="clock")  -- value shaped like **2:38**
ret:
**3:20**
